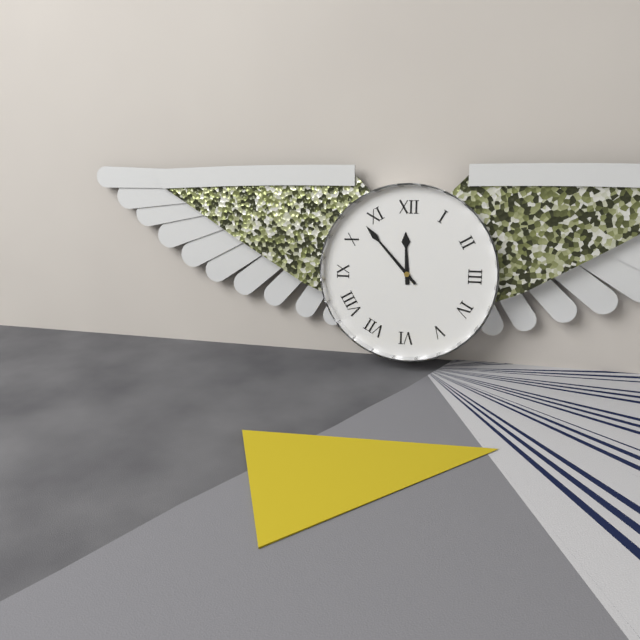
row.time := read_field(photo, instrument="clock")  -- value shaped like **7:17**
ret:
**11:53**
